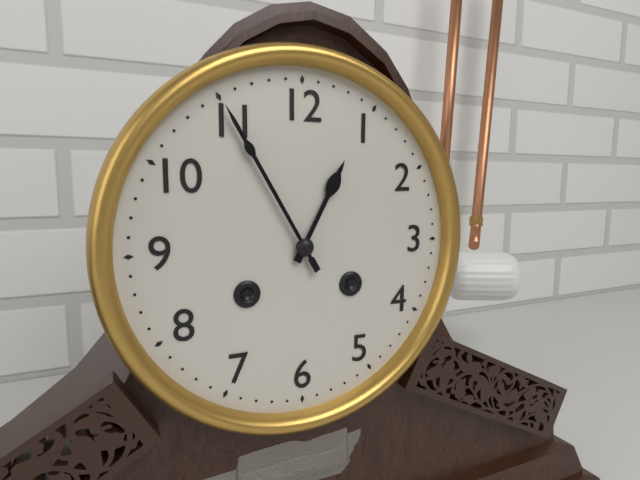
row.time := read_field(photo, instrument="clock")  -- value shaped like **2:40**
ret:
**12:55**
